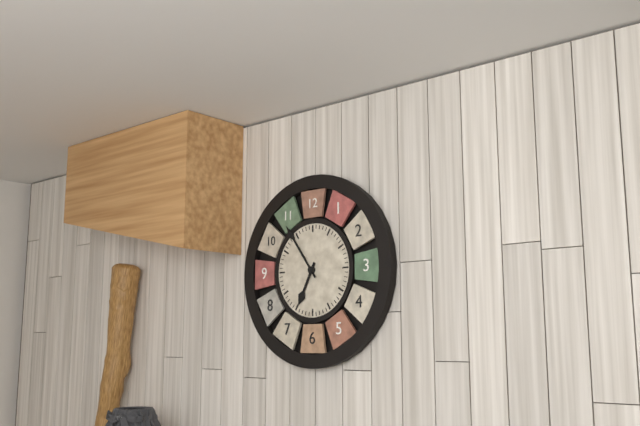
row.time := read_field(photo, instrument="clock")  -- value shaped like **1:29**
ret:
**6:54**
